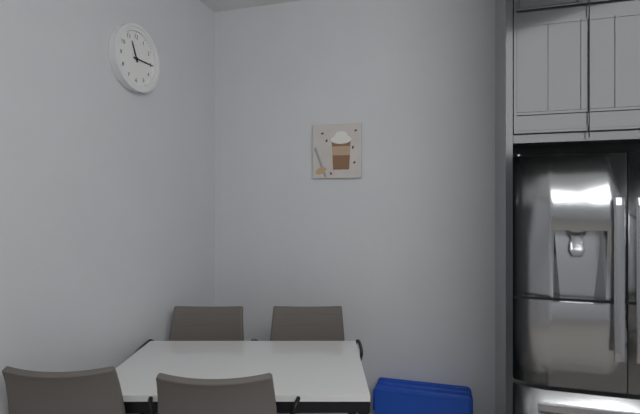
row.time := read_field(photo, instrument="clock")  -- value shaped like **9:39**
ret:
**11:15**
